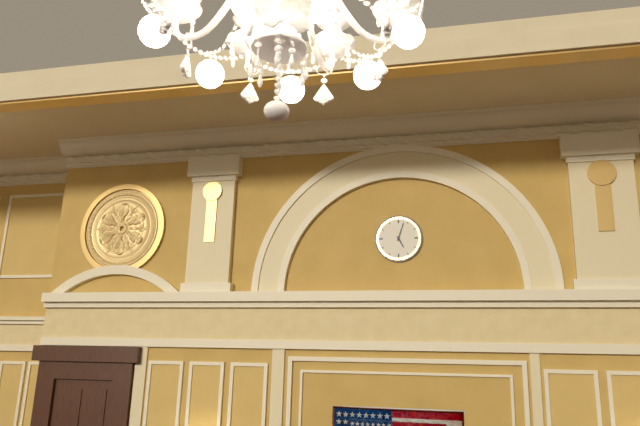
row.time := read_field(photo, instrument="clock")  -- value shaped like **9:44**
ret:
**5:03**
